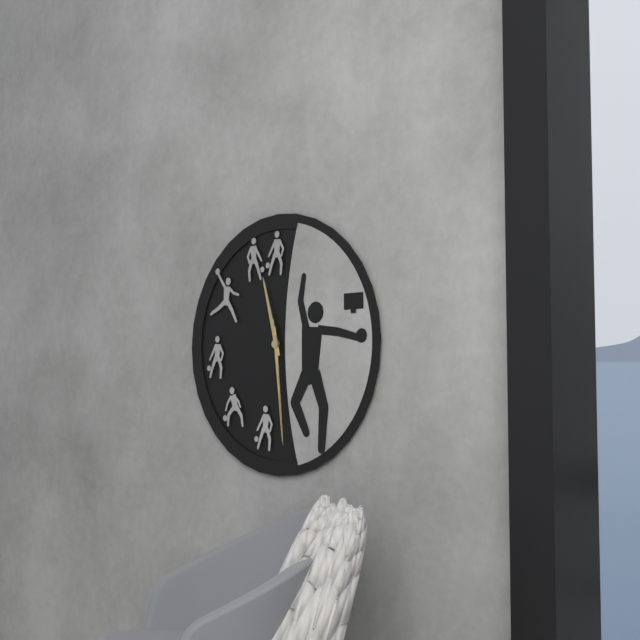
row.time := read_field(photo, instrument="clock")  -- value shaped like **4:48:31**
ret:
**11:29:29**
